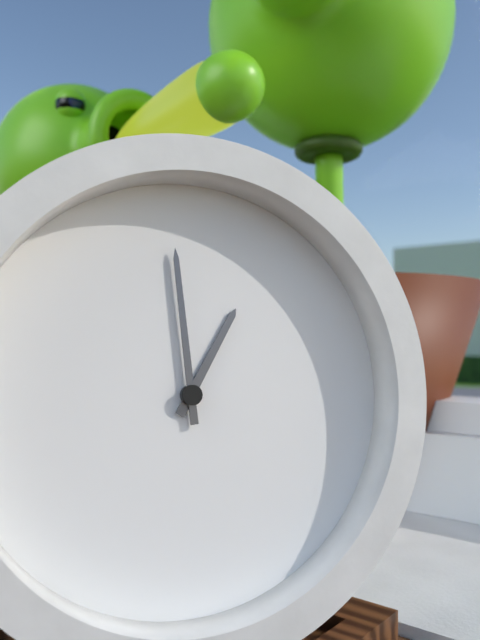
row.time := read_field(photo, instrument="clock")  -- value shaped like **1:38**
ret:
**12:59**
